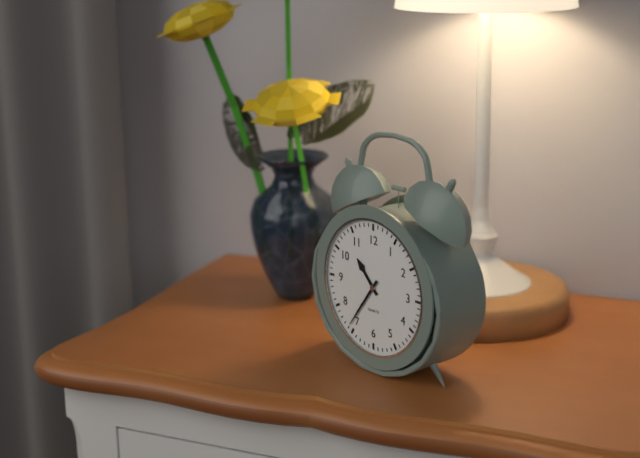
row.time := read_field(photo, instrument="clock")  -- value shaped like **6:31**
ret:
**10:36**
